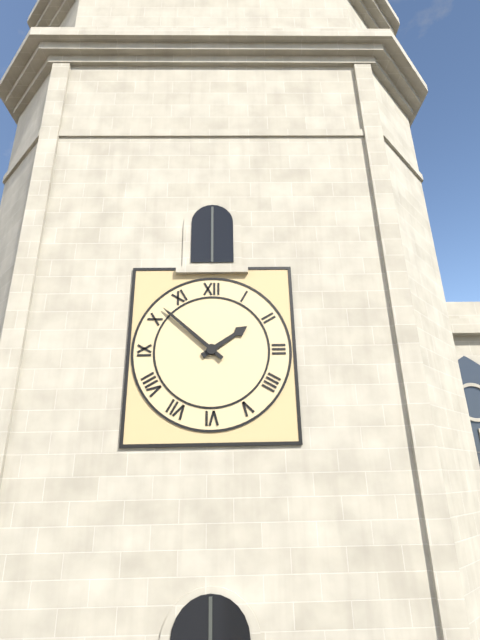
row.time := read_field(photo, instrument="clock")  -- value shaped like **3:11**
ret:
**1:52**
